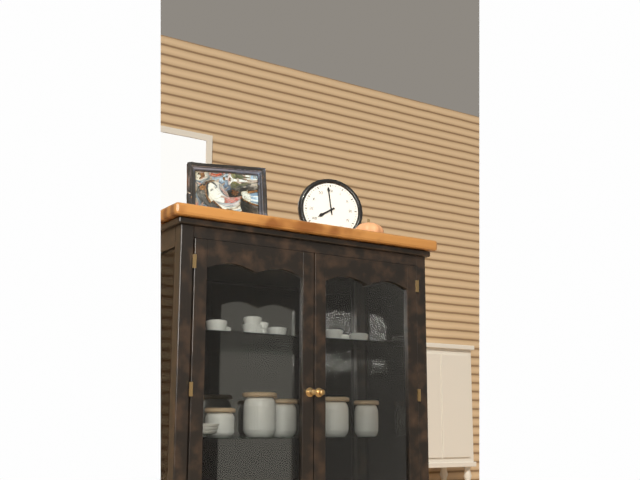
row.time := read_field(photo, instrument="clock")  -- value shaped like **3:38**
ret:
**7:59**
